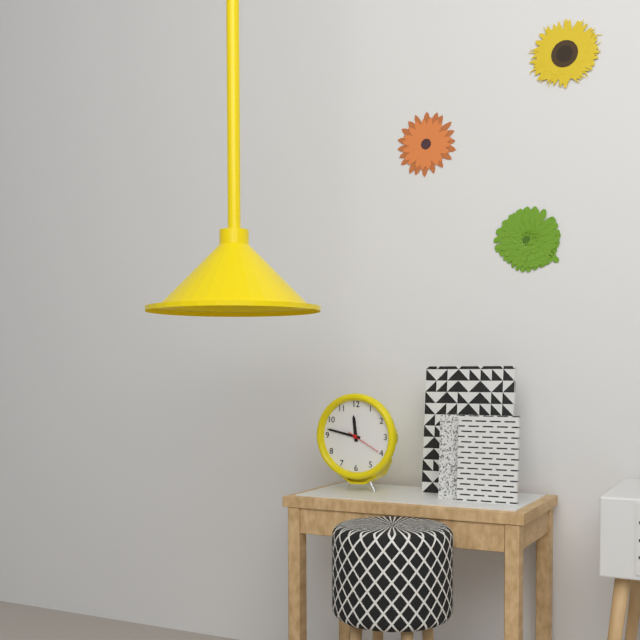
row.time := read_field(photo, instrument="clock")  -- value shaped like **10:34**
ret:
**11:47**
